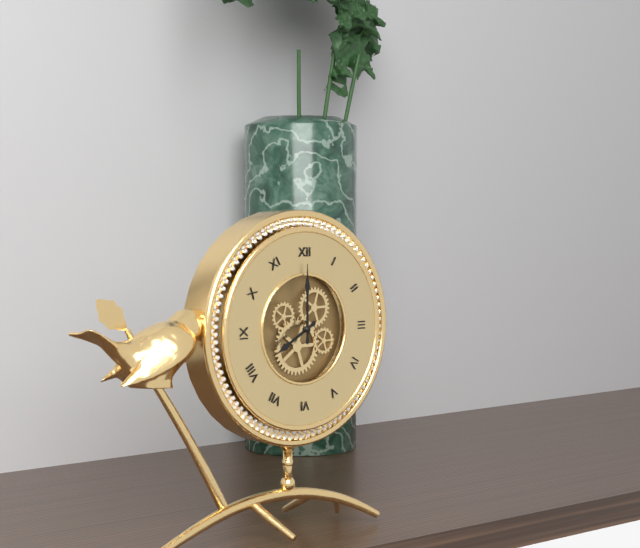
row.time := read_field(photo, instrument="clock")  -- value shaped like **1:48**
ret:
**8:00**
